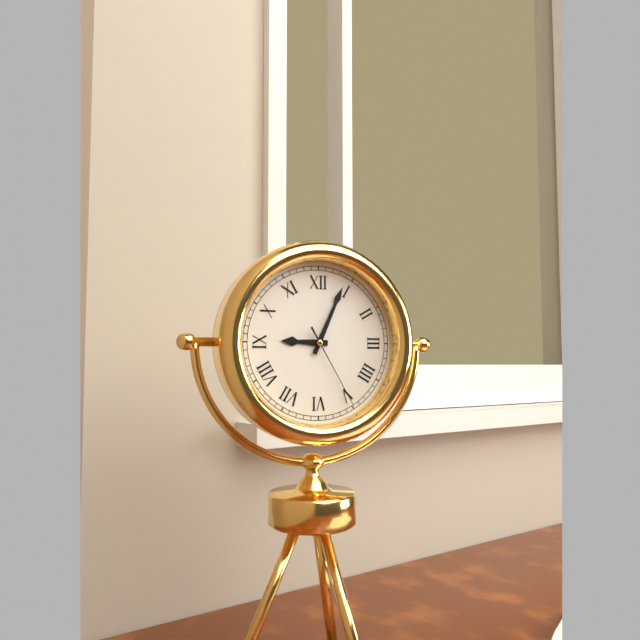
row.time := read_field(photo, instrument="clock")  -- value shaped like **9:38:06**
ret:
**9:04:25**
